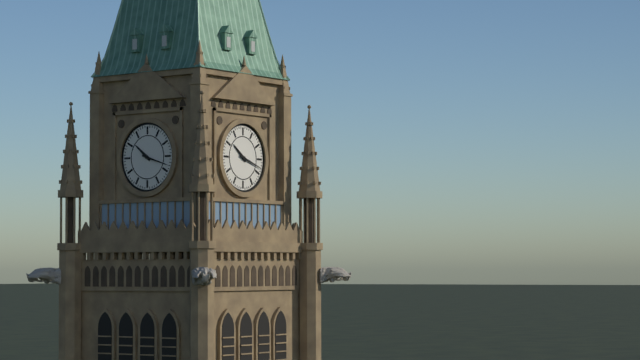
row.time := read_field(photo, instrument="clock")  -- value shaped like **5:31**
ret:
**10:18**
